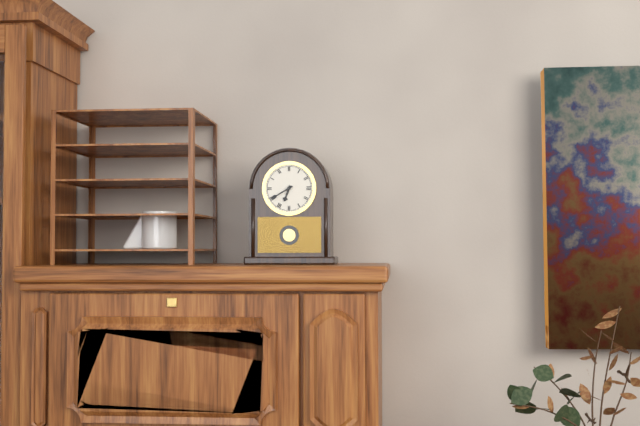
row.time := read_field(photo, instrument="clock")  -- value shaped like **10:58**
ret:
**6:40**
